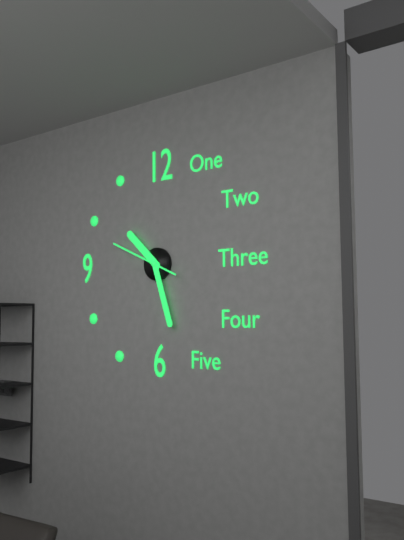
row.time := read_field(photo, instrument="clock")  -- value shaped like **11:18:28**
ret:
**10:27:49**
